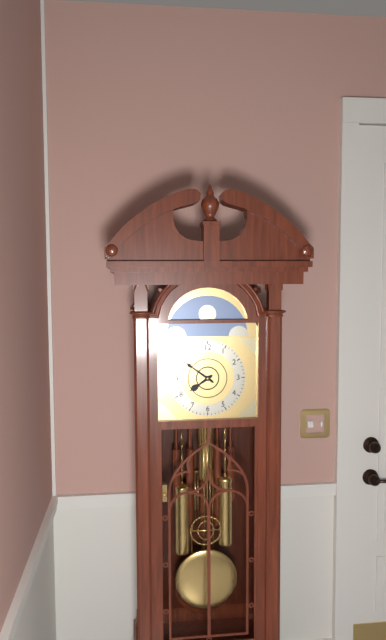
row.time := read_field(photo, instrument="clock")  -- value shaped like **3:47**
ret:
**7:51**
